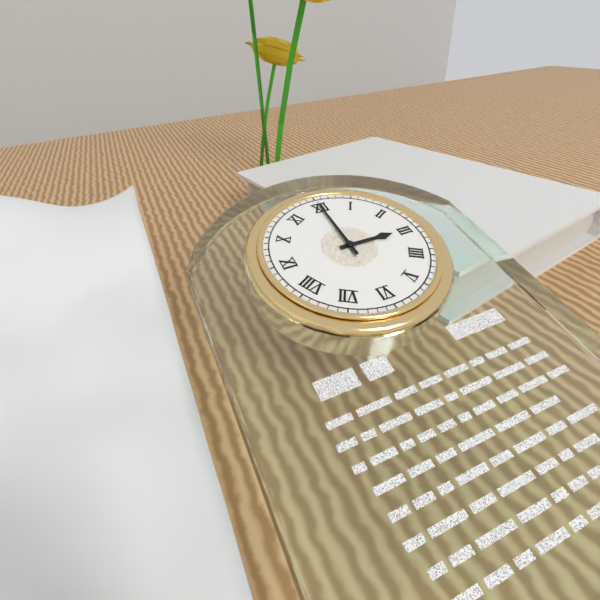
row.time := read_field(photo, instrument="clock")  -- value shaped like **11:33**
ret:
**3:00**
